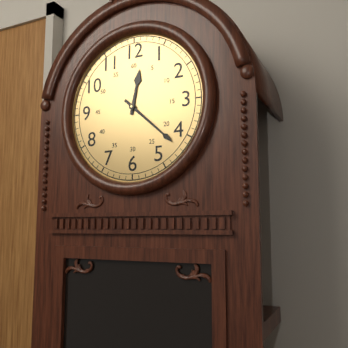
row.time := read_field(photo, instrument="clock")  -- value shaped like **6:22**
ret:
**12:22**
